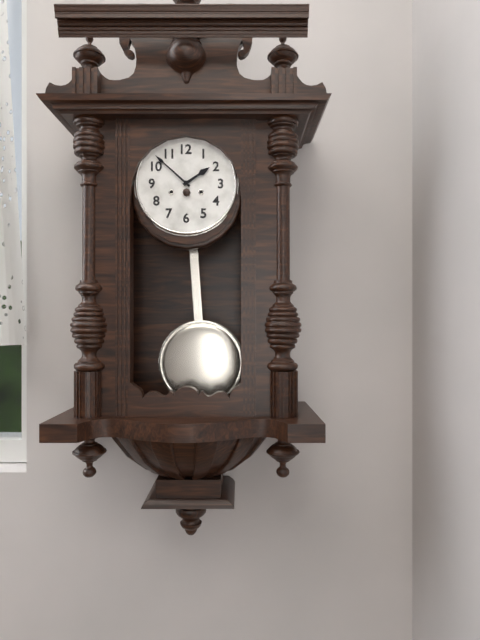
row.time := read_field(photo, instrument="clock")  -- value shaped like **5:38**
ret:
**1:52**
